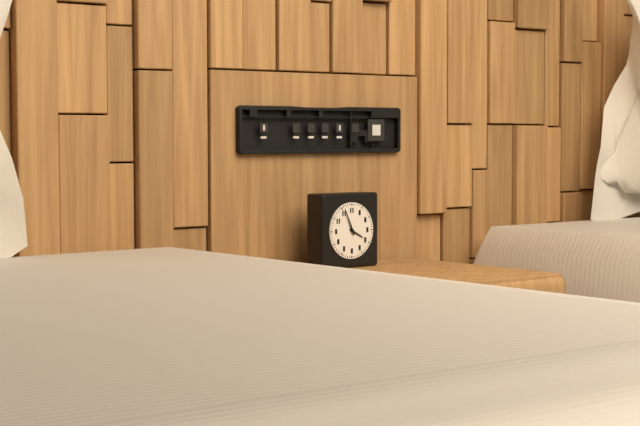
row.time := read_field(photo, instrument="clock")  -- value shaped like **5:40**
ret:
**3:56**
